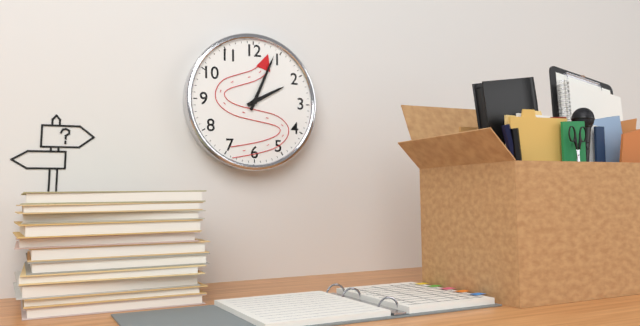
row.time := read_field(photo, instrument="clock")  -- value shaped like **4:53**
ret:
**2:04**
